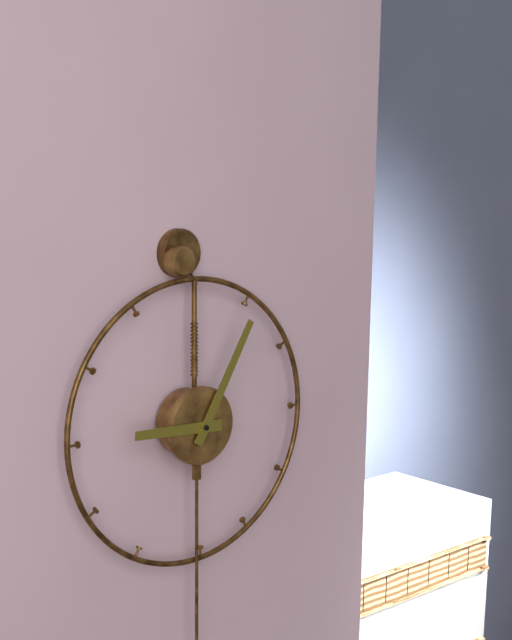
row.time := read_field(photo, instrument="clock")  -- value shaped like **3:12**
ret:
**9:05**
